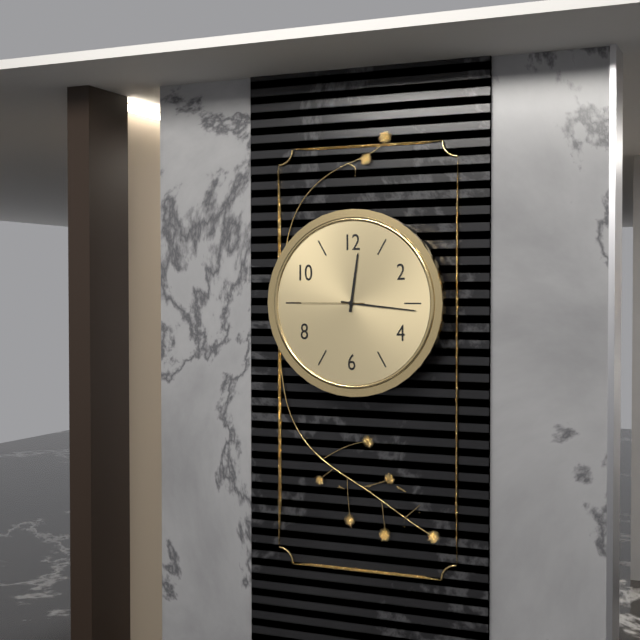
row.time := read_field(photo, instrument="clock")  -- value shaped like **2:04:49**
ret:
**12:16:45**
